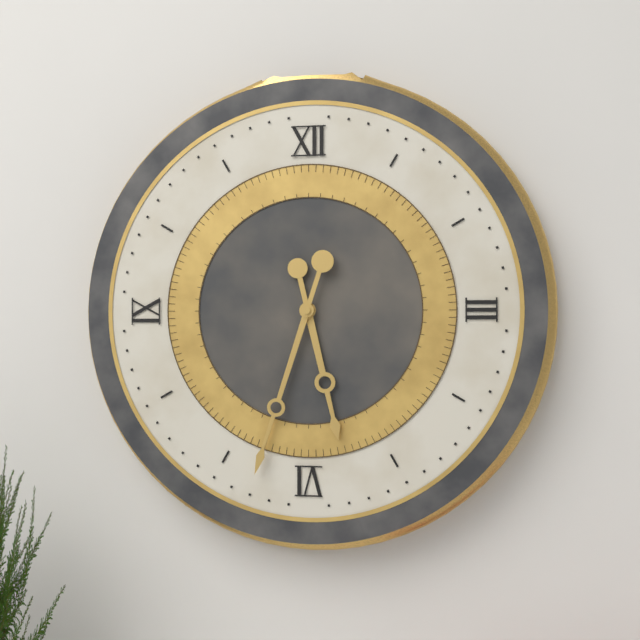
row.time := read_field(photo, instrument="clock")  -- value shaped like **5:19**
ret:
**5:33**
